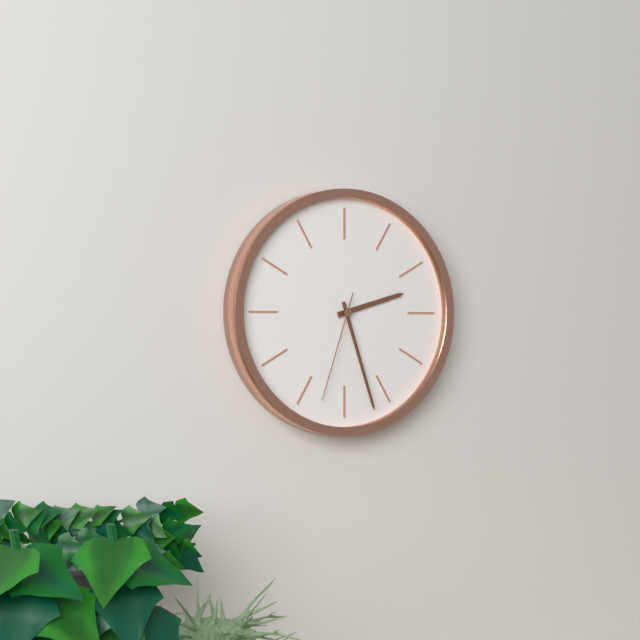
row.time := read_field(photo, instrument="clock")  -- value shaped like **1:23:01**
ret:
**2:27:33**
